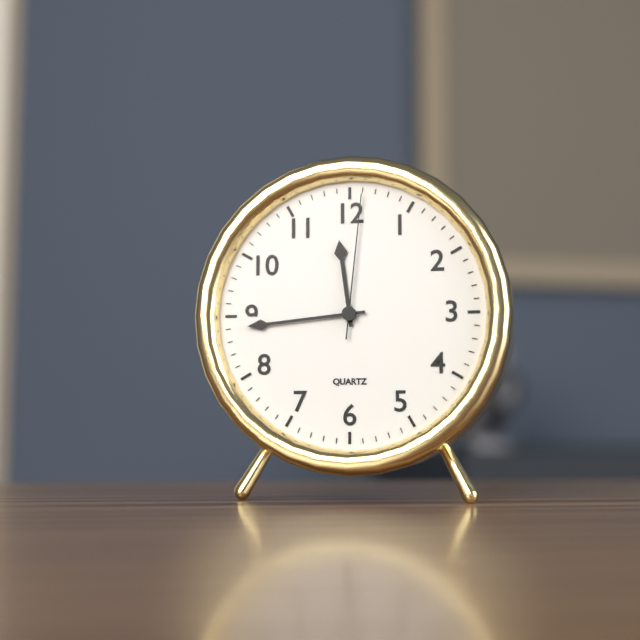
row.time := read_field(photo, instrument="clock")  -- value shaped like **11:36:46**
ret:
**11:44:01**
